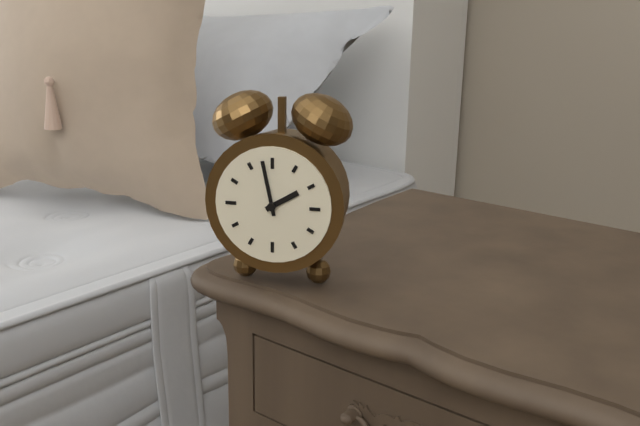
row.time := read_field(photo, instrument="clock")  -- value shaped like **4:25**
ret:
**1:58**
